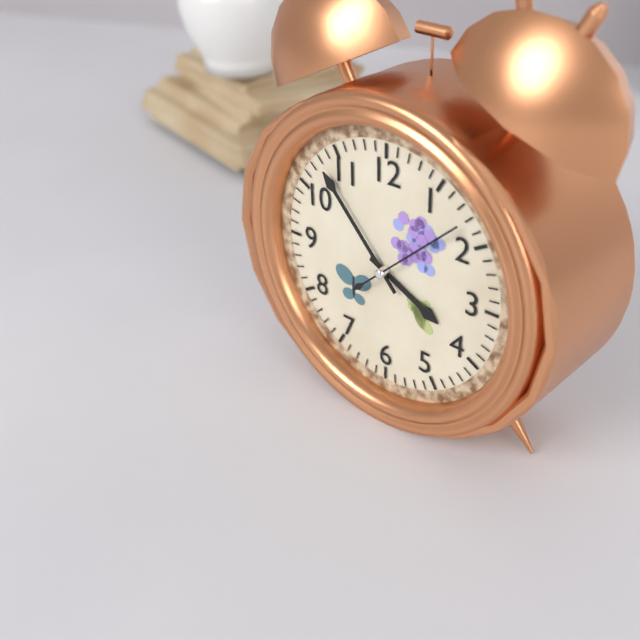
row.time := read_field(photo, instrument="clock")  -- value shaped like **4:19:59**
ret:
**3:53:08**
